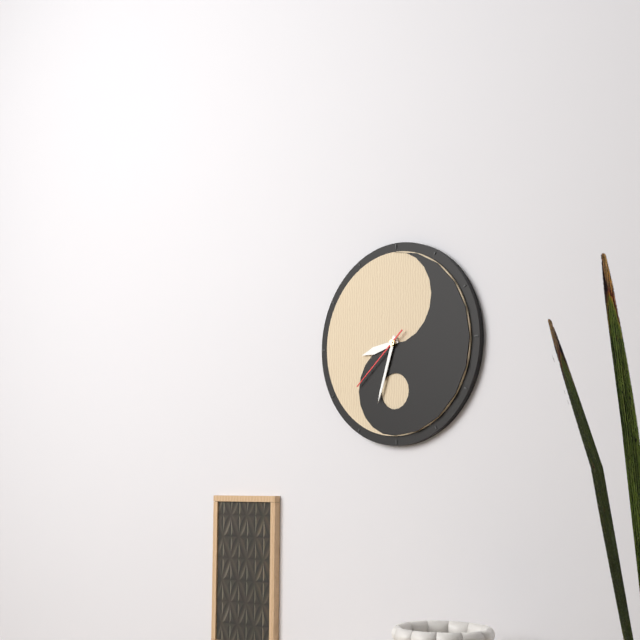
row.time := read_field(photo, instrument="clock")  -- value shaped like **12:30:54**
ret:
**8:33:38**
